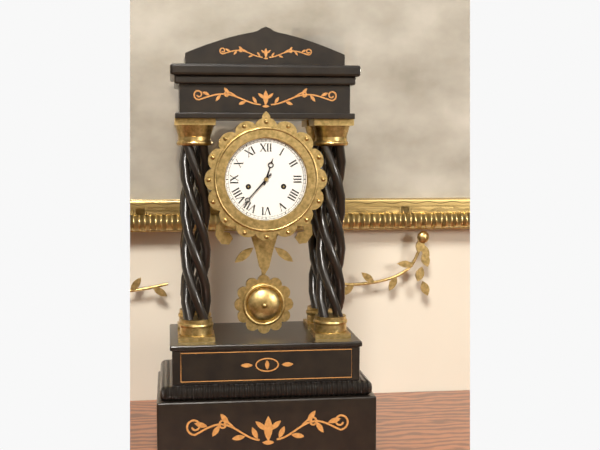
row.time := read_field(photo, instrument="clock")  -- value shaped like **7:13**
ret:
**12:37**
